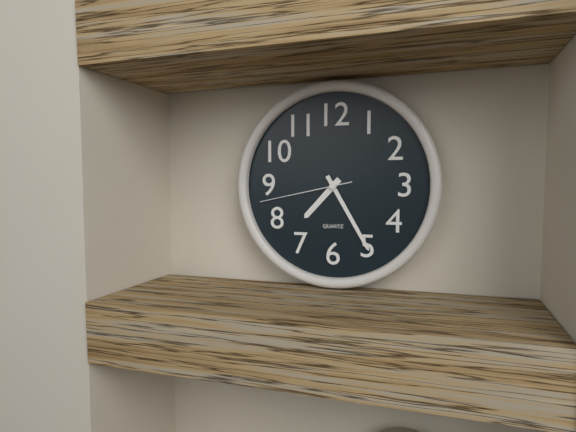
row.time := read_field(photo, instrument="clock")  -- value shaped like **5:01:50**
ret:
**7:25:43**
